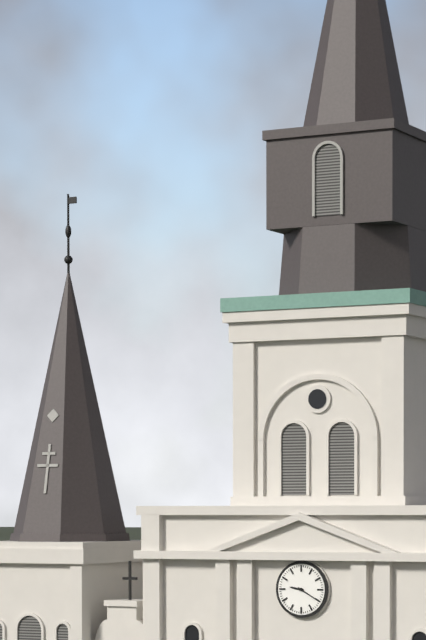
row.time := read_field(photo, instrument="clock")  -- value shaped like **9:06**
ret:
**9:20**
